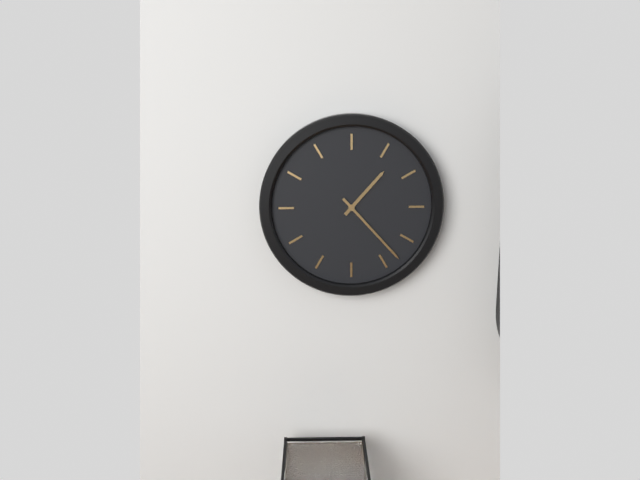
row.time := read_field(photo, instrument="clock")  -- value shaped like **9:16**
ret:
**1:23**
